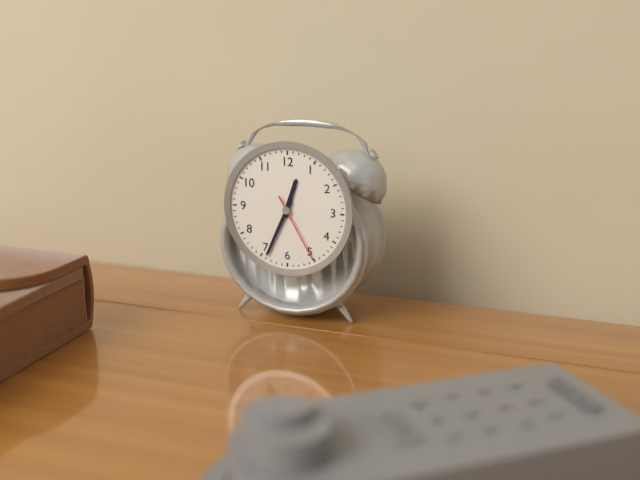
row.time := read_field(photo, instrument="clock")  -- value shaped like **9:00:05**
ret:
**12:34:25**
